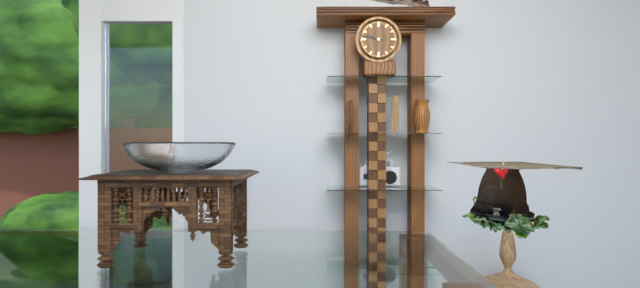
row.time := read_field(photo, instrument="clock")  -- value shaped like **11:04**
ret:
**9:47**
